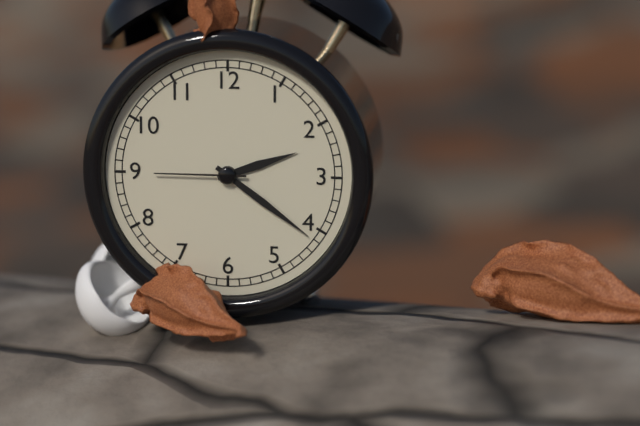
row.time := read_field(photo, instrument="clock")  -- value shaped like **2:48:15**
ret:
**2:21:45**
